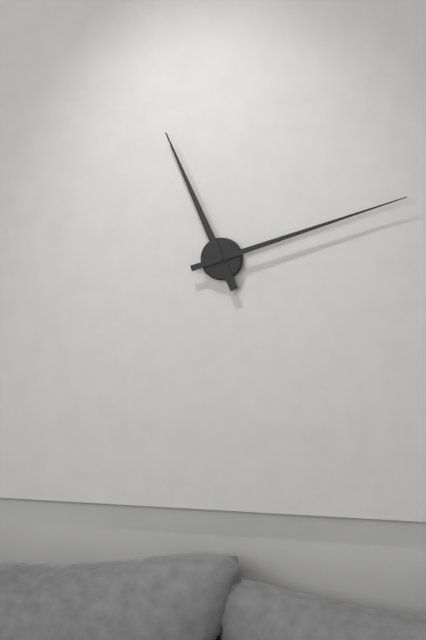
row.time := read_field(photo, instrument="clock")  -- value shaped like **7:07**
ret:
**11:12**
